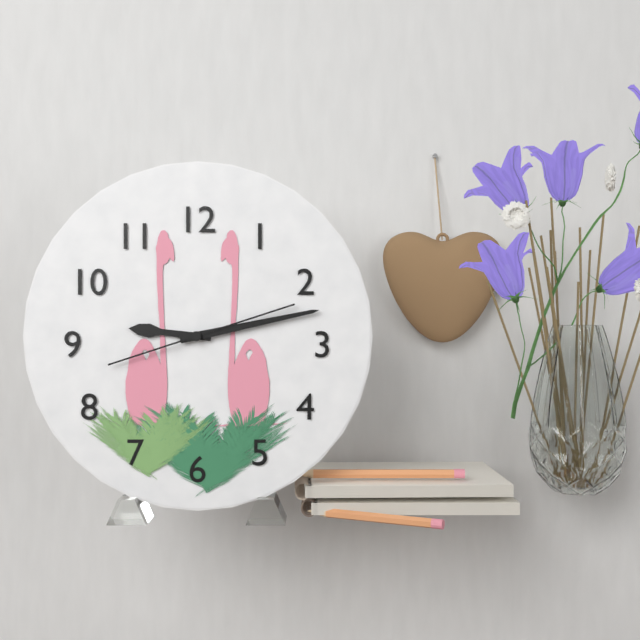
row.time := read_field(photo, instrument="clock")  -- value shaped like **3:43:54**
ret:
**9:13:12**
